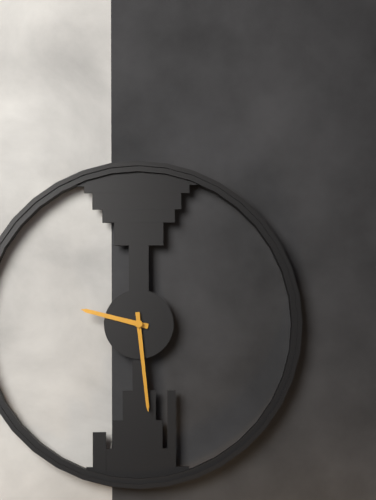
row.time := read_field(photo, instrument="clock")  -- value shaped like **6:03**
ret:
**9:29**
